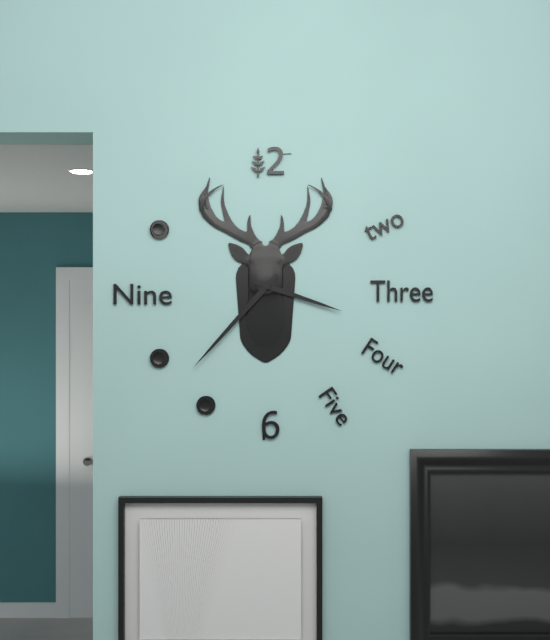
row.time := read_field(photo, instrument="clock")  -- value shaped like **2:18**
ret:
**3:37**
